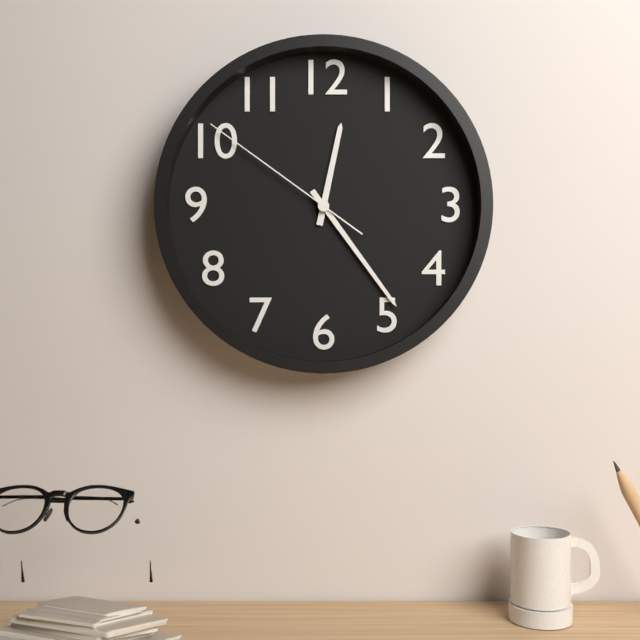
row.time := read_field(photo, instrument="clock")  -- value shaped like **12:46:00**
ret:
**12:24:51**
